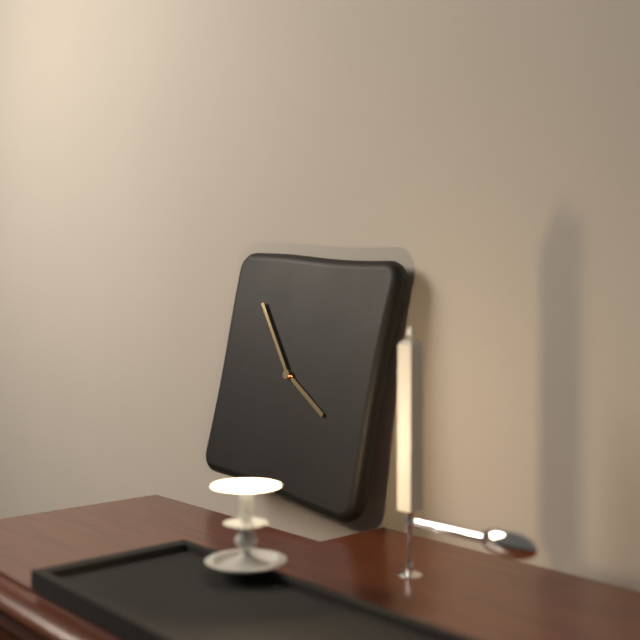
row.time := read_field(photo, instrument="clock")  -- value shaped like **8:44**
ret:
**3:53**
